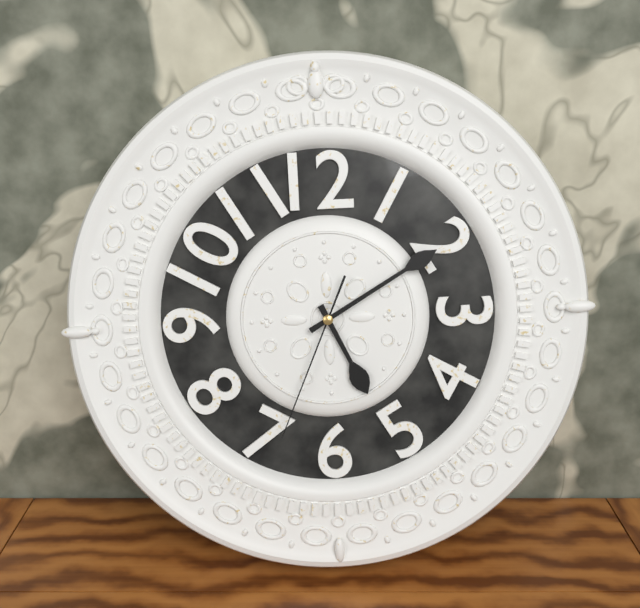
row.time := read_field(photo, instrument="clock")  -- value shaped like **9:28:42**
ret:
**5:10:34**
